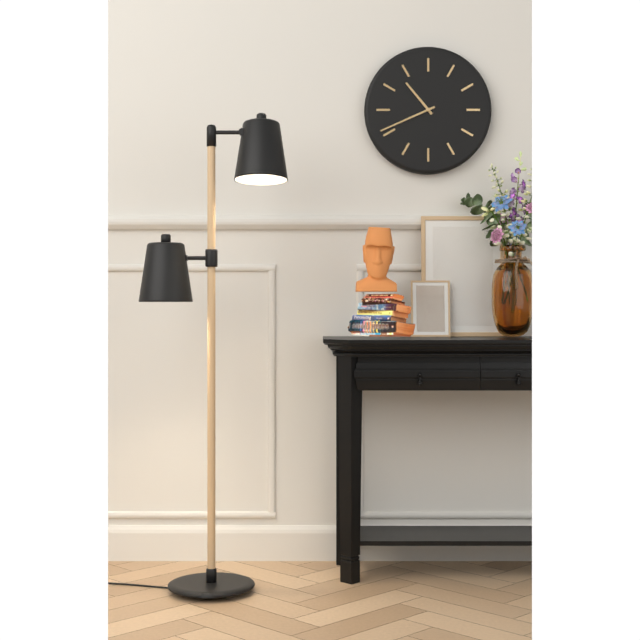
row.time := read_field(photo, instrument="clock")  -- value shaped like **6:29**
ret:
**10:41**
